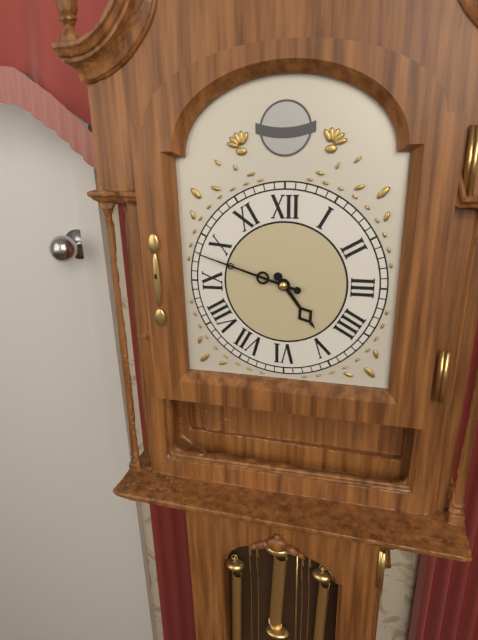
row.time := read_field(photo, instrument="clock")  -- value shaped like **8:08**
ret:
**4:48**
